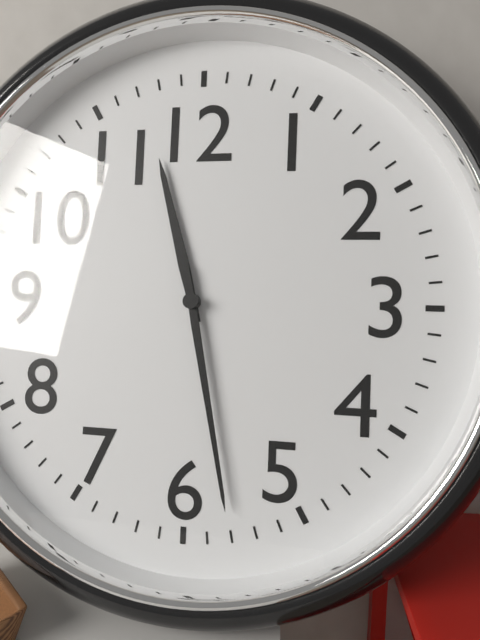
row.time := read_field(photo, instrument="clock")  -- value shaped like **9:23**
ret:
**11:28**
